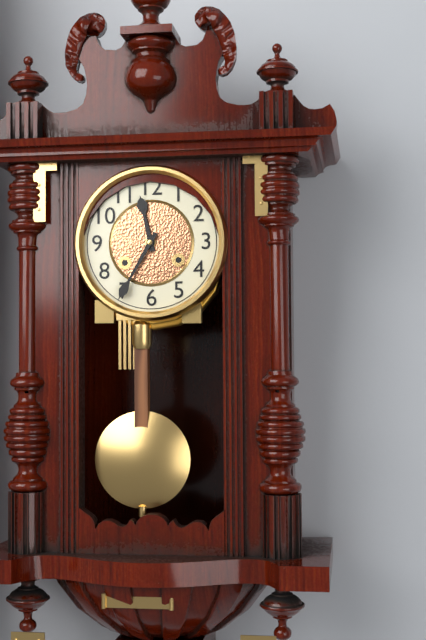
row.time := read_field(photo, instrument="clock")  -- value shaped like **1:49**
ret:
**11:35**
